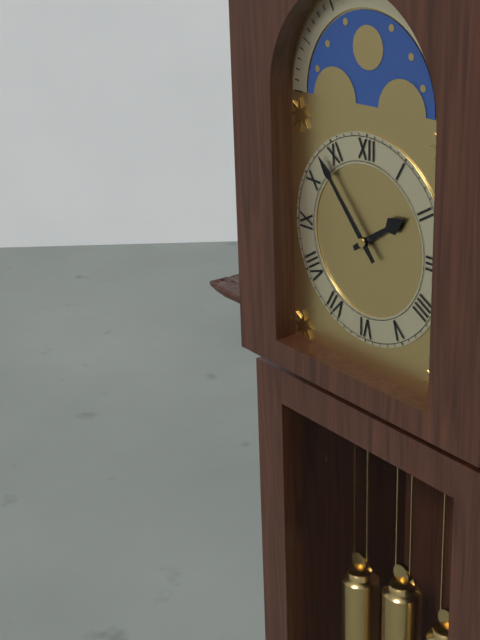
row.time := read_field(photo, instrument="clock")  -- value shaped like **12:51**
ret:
**1:53**
